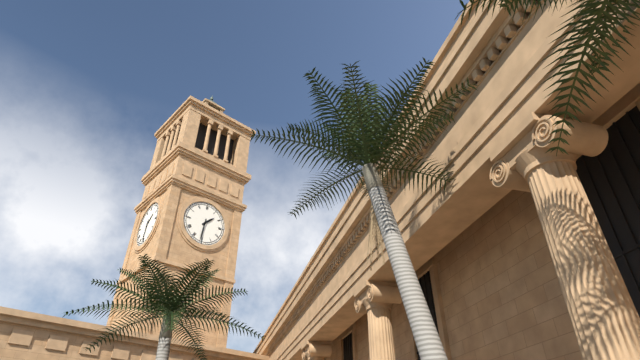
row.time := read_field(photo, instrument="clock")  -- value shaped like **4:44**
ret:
**1:31**
